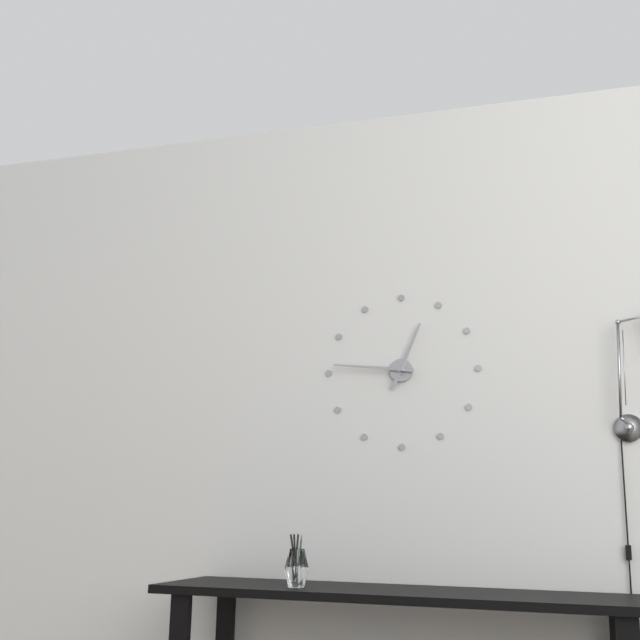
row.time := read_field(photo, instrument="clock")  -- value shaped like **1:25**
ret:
**12:46**
